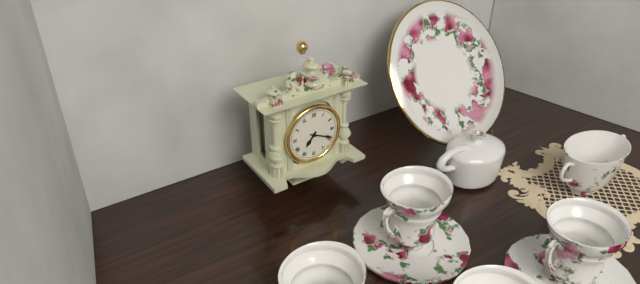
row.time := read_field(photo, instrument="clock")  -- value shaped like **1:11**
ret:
**7:19**
